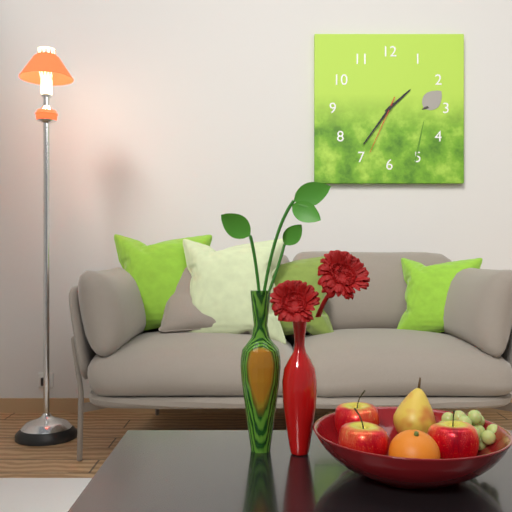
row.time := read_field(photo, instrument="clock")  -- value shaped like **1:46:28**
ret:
**1:36:34**
